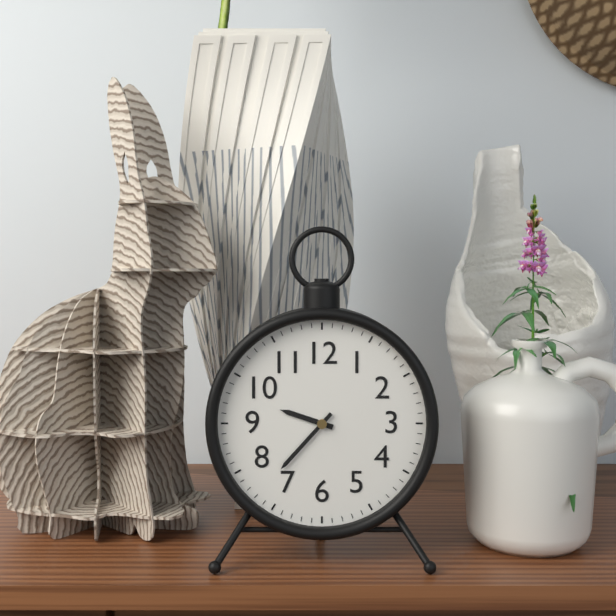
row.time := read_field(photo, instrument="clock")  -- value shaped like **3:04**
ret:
**9:37**
